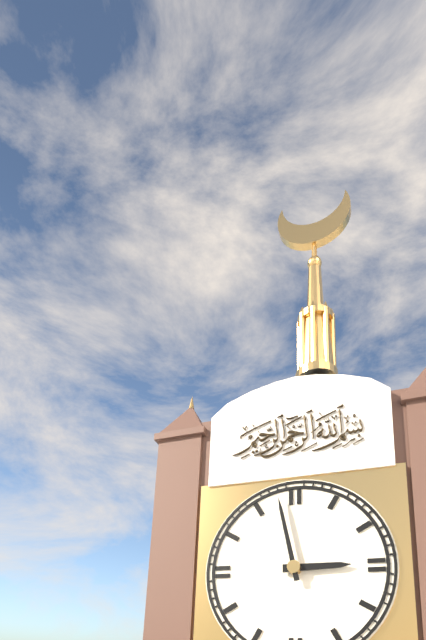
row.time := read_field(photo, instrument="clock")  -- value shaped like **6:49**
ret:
**2:58**
